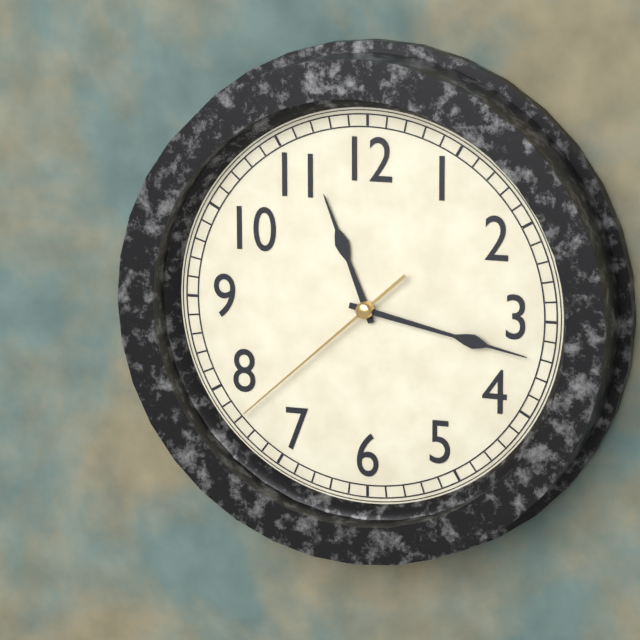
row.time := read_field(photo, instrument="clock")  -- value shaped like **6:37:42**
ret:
**11:17:38**
